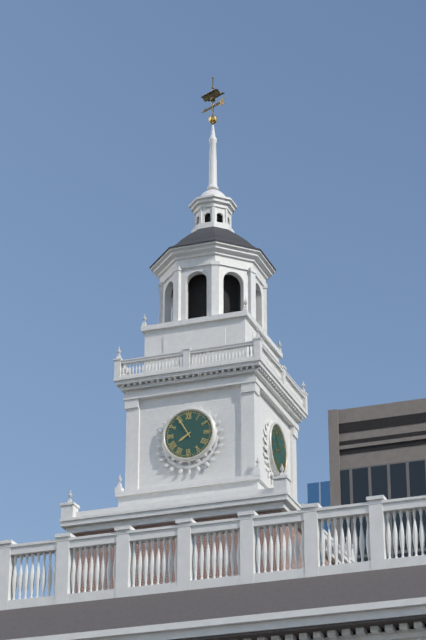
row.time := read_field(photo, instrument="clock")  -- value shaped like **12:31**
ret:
**7:55**
